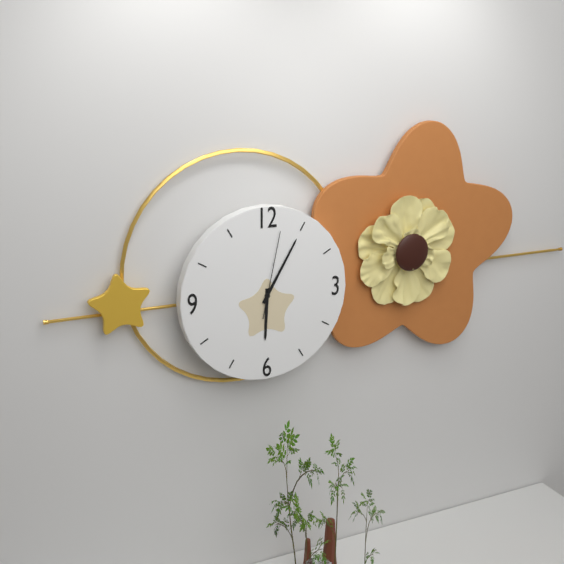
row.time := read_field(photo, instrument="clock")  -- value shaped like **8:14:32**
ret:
**6:05:02**
